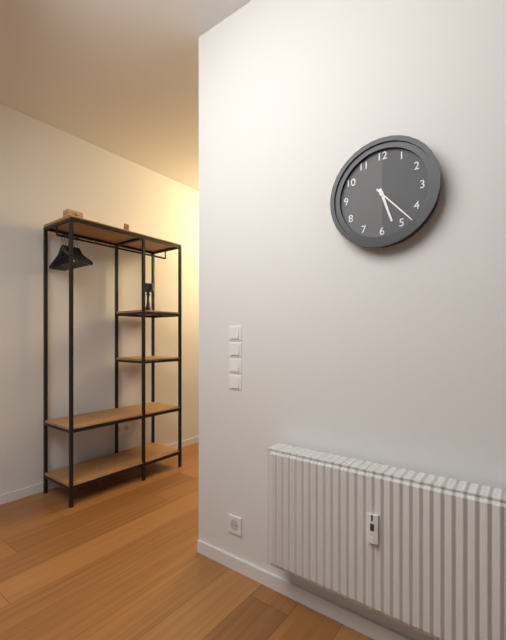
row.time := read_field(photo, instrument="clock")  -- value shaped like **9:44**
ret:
**5:23**
